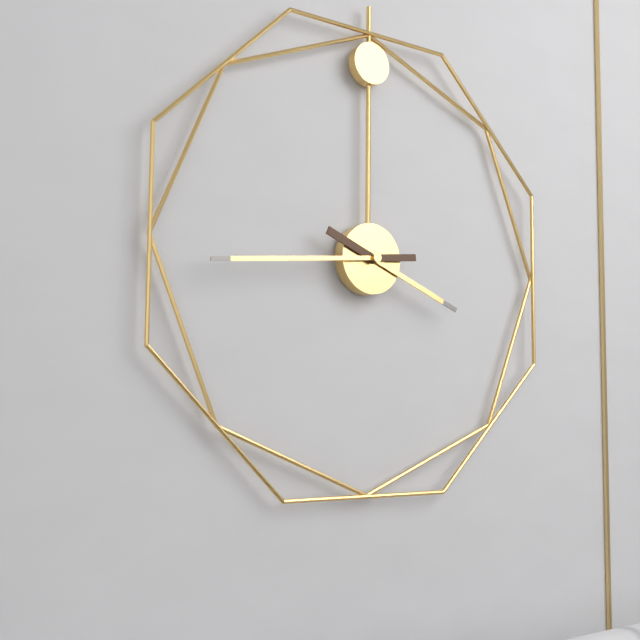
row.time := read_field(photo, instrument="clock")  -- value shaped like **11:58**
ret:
**3:44**
